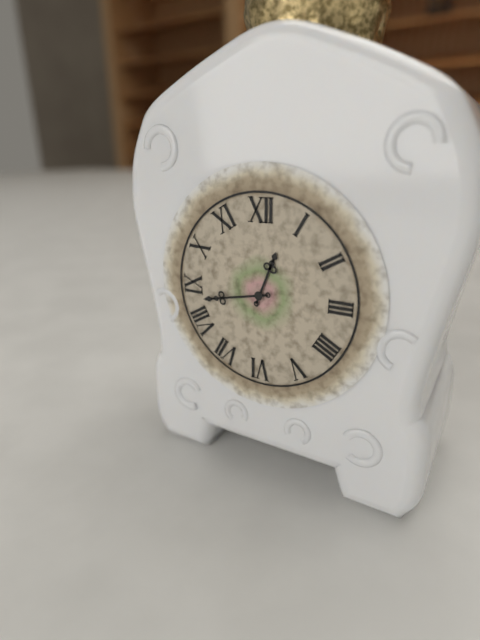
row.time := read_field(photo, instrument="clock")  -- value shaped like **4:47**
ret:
**12:43**
